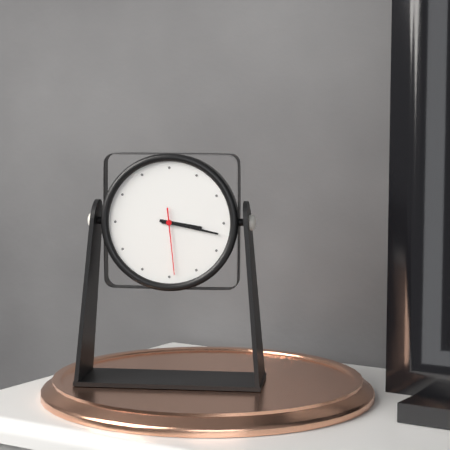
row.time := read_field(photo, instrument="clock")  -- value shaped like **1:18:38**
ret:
**3:17:29**
